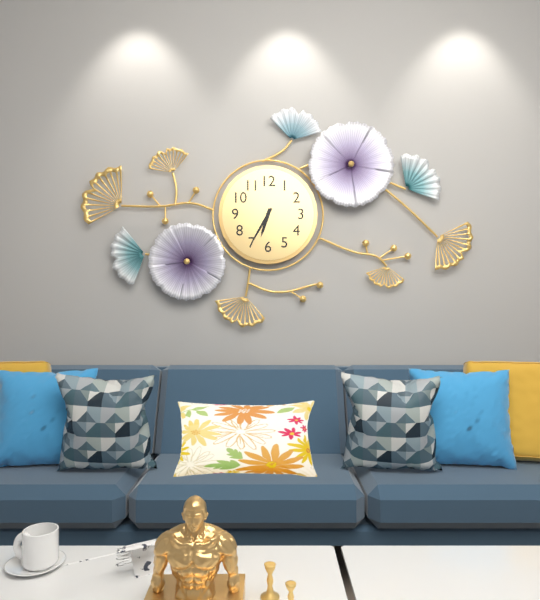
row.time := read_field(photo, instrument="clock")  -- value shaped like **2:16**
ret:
**6:35**
